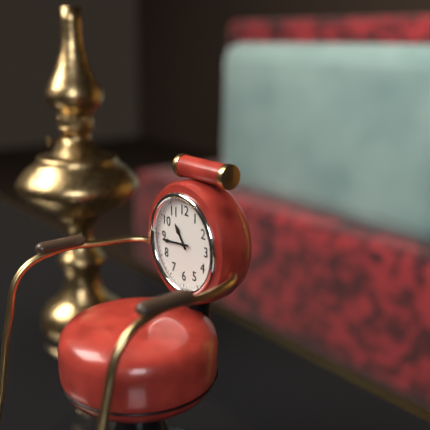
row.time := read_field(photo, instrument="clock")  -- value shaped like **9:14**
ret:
**10:44**
